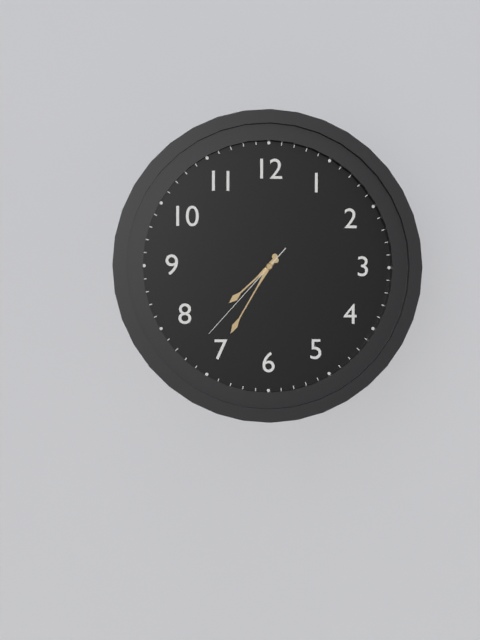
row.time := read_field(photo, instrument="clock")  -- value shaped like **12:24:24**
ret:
**7:35:37**
